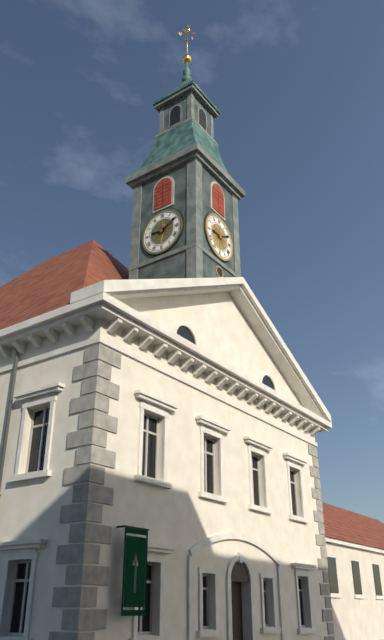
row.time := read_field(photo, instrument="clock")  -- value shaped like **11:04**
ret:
**9:10**
